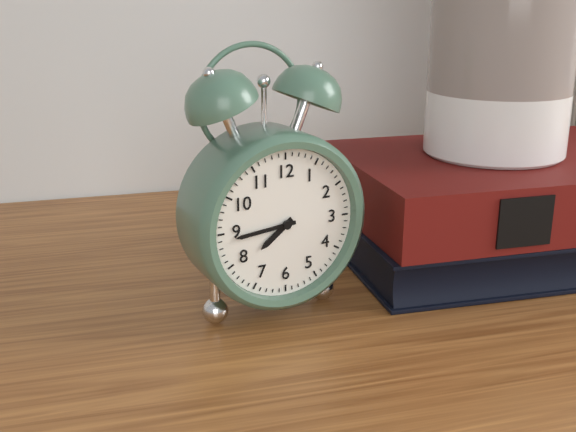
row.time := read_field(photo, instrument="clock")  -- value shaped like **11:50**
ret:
**7:44**
